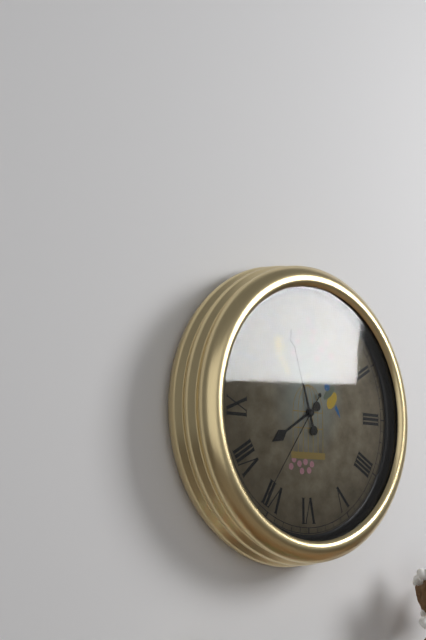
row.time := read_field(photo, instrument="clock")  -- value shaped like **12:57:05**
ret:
**7:57:36**
